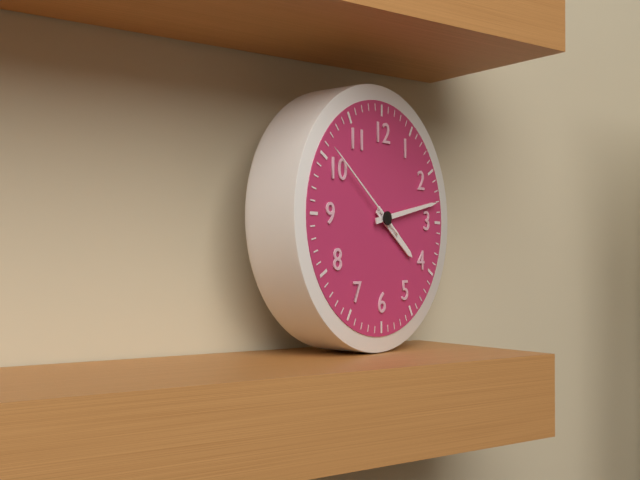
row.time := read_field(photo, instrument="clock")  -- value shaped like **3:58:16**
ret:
**4:13:51**
